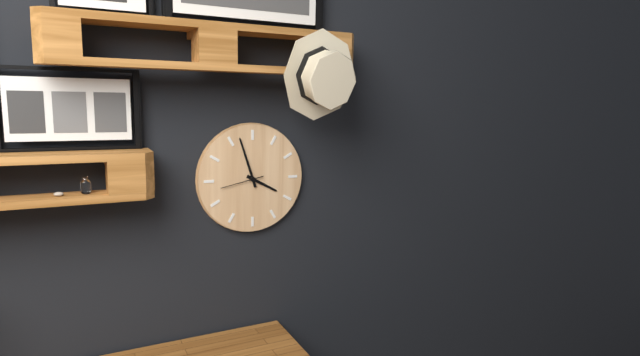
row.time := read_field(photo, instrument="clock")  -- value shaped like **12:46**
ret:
**3:57**
